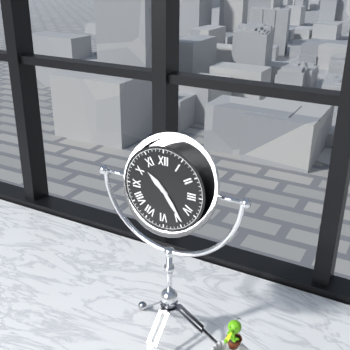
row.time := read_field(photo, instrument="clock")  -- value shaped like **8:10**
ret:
**10:24**
